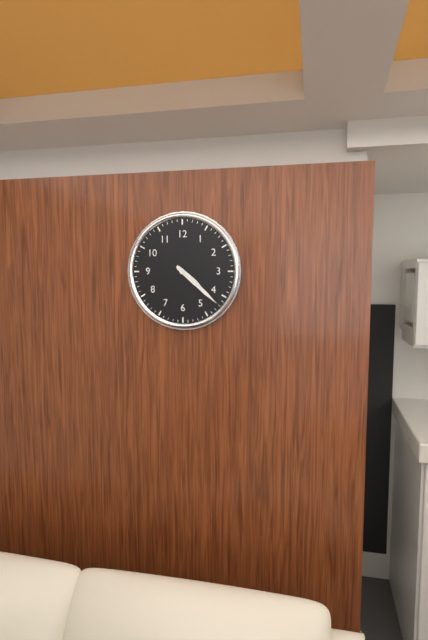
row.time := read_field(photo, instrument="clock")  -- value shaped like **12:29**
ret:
**4:22**
